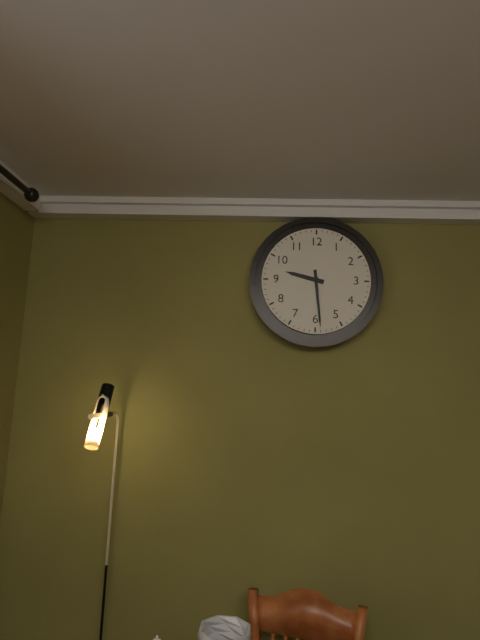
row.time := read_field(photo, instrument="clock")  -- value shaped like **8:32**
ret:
**9:29**
